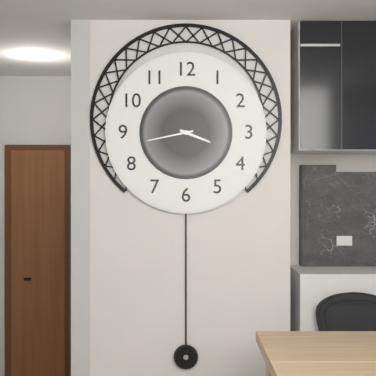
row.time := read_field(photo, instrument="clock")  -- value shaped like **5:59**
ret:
**3:43**
